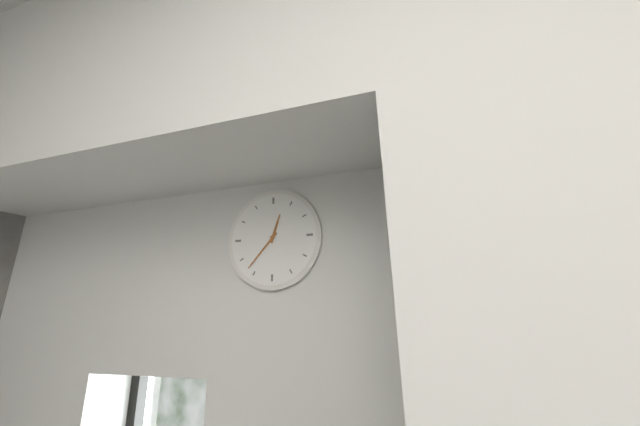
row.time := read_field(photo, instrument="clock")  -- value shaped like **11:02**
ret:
**12:37**
